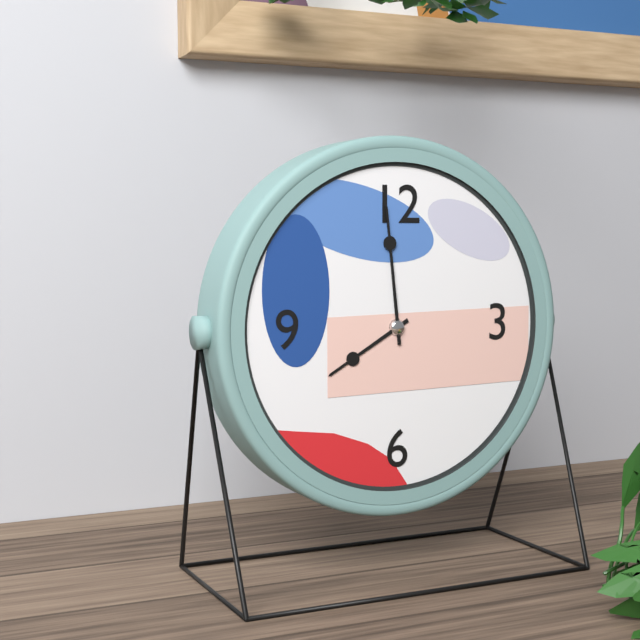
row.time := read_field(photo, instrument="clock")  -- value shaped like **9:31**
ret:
**7:59**
